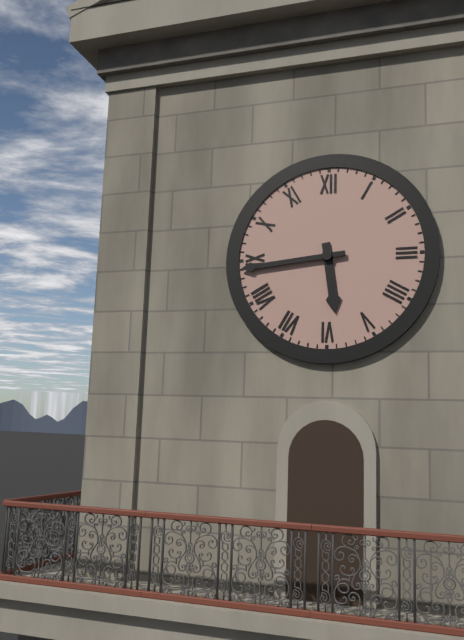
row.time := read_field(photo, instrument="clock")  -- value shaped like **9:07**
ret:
**5:44**
